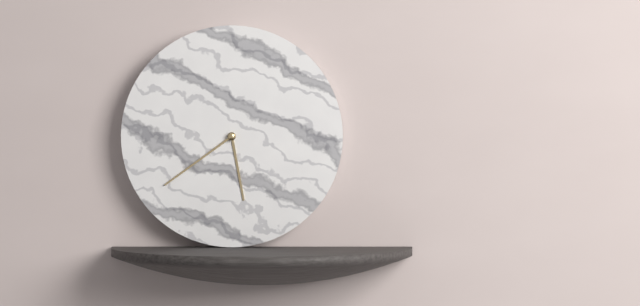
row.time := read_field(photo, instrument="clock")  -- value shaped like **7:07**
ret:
**5:39**
